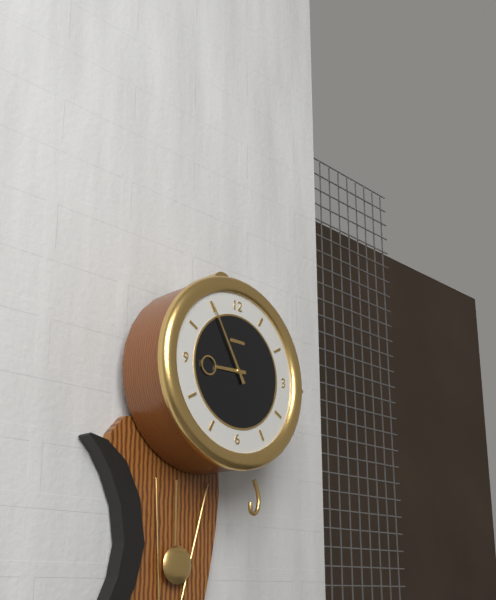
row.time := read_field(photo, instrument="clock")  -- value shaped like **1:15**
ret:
**8:55**
